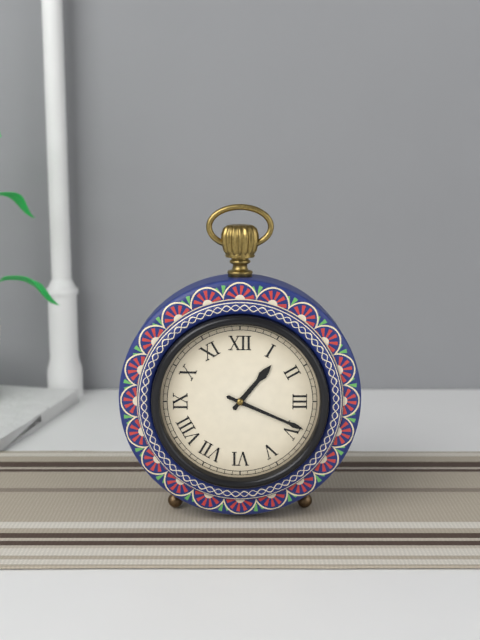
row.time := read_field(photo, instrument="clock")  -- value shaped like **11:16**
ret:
**1:19**
